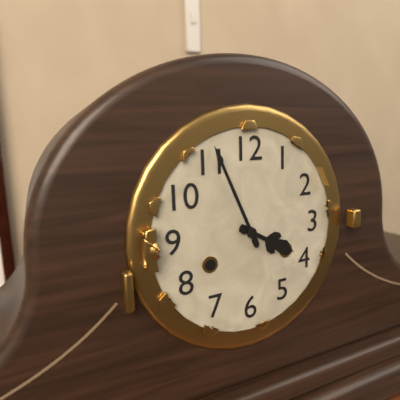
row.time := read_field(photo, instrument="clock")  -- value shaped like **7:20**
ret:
**3:56**
